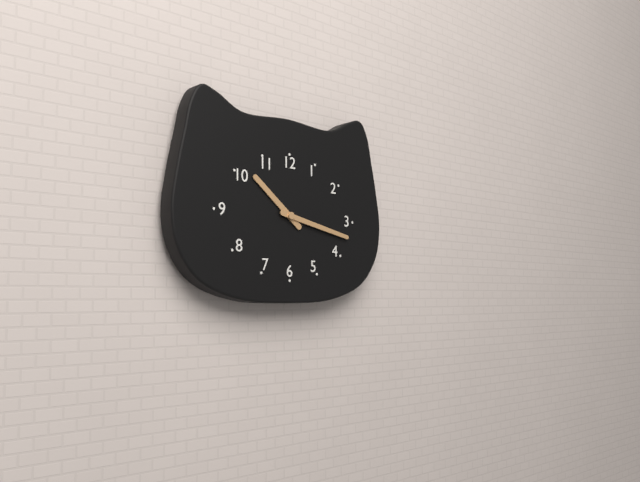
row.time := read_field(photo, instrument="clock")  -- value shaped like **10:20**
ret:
**10:17**
